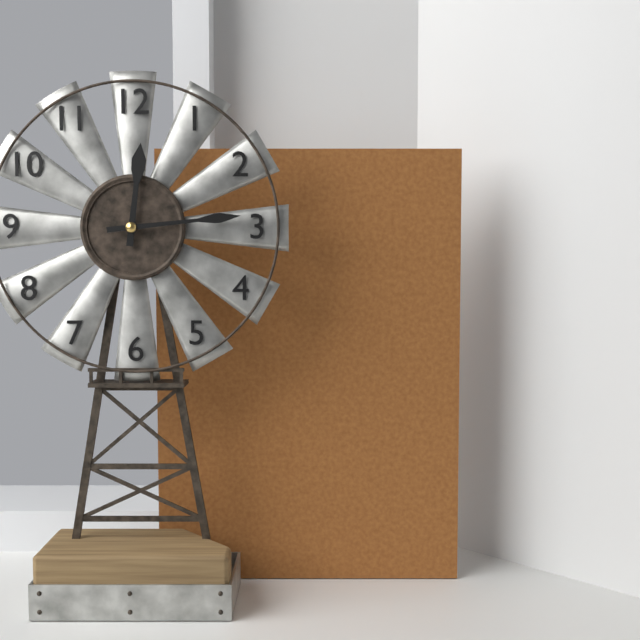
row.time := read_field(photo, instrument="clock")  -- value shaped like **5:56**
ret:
**12:14**
